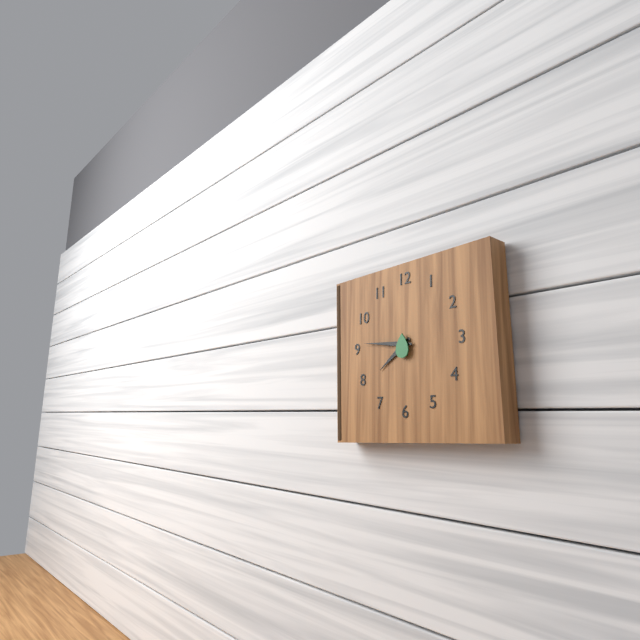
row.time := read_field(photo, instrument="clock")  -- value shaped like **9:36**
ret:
**7:46**
